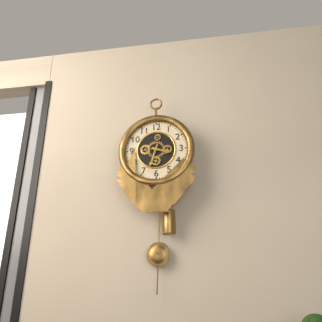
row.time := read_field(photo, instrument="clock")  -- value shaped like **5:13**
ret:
**3:33**
